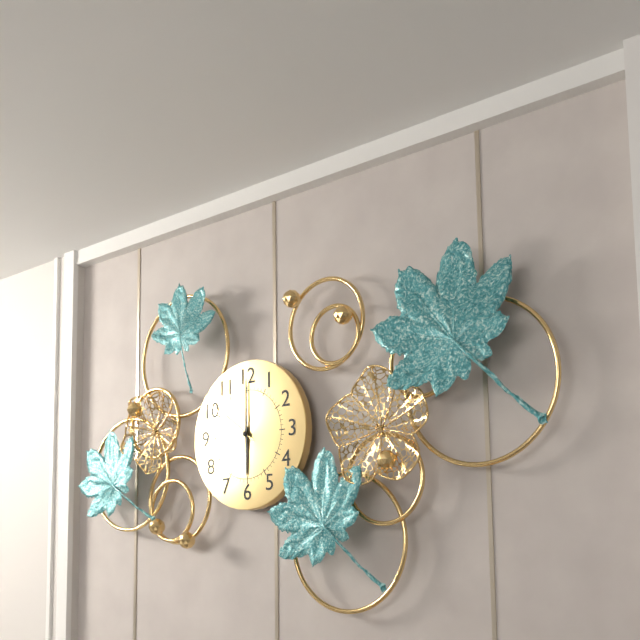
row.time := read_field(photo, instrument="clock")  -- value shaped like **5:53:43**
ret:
**6:00:51**
